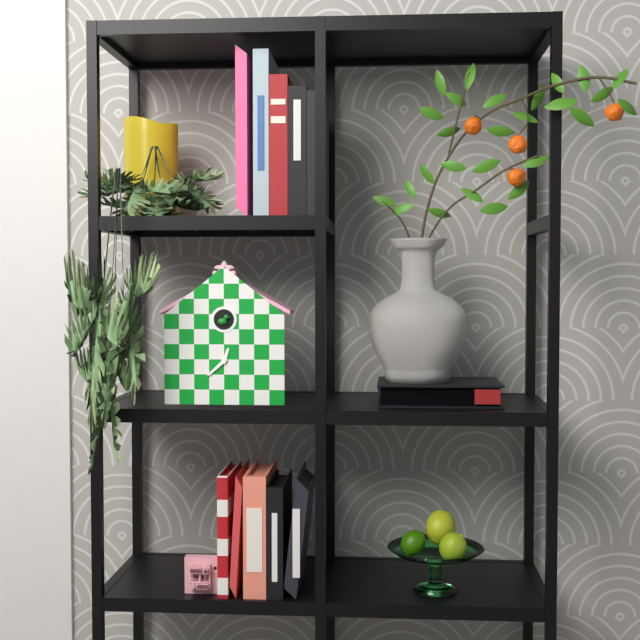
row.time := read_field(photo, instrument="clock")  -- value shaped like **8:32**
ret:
**12:38**
